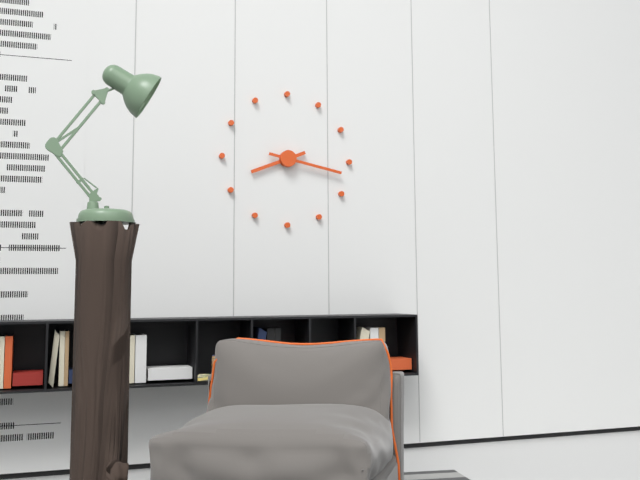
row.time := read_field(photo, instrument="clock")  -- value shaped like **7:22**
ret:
**8:17**
